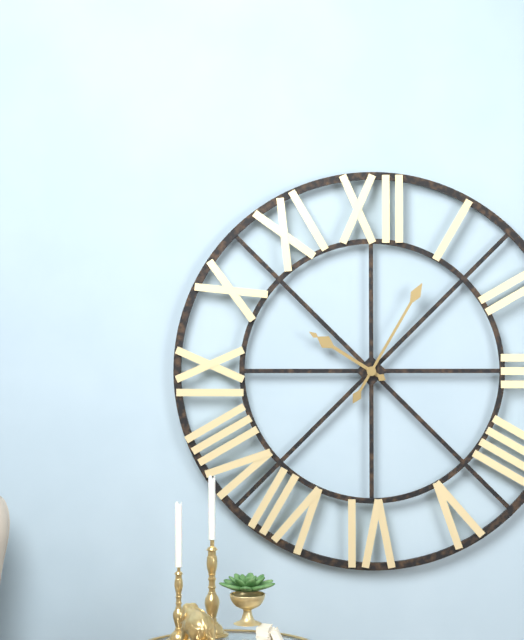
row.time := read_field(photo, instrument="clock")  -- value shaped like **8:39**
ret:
**10:05**
